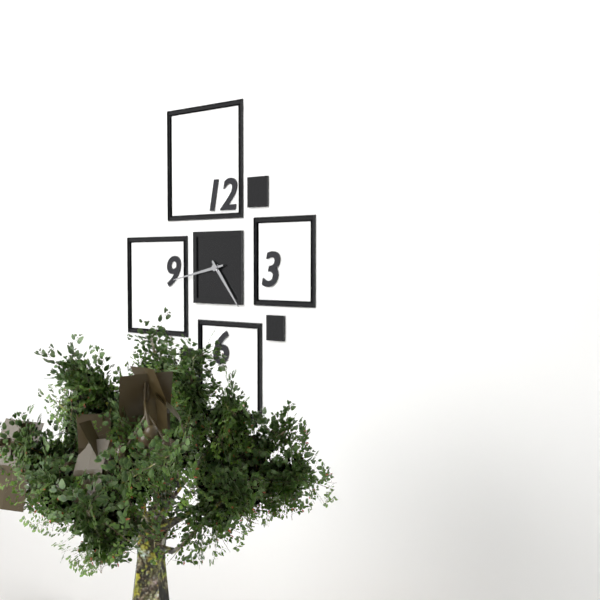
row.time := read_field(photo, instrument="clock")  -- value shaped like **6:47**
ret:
**4:43**
